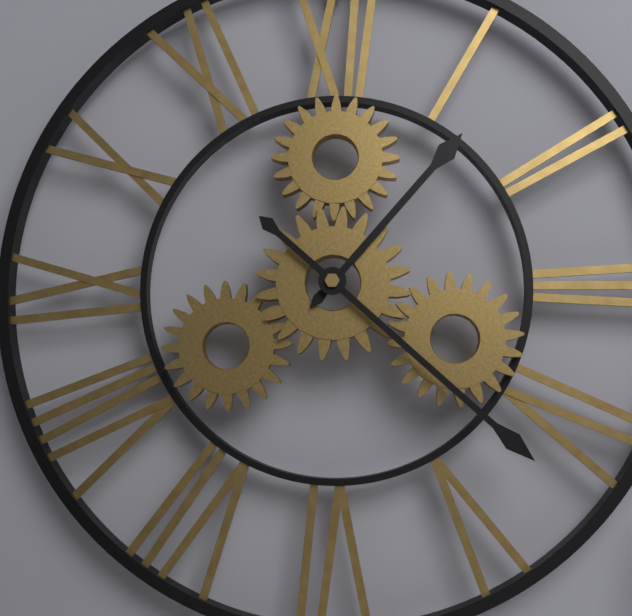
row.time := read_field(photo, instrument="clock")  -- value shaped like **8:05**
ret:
**1:22**
